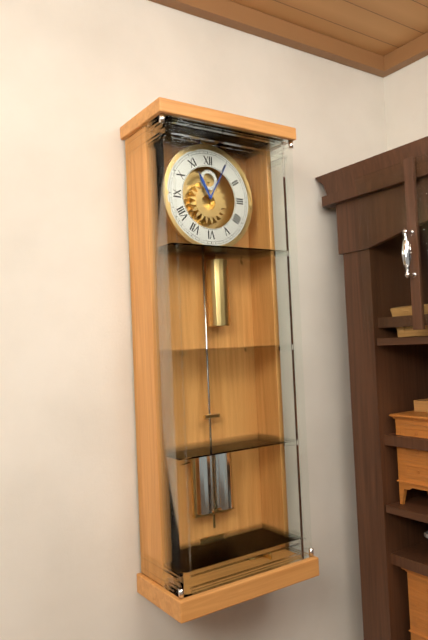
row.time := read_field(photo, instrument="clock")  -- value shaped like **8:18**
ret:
**11:05**
